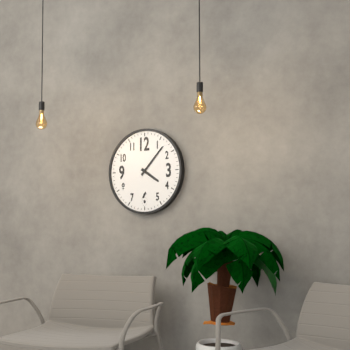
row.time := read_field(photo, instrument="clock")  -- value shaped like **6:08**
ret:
**4:07**
